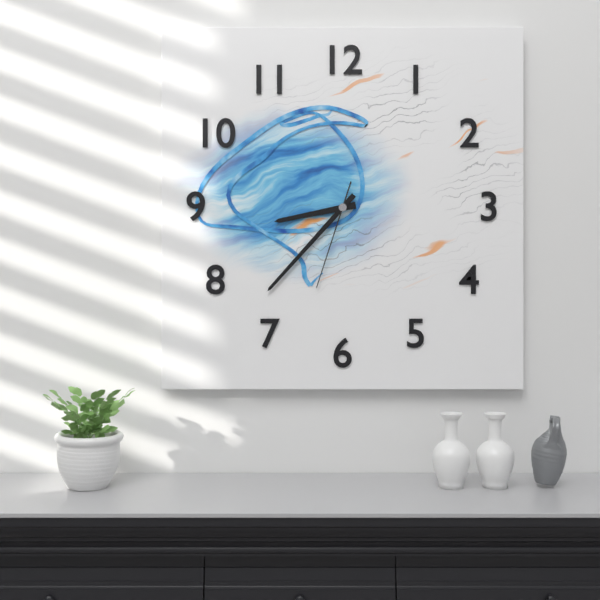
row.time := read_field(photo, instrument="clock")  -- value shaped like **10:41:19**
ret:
**8:37:33**
